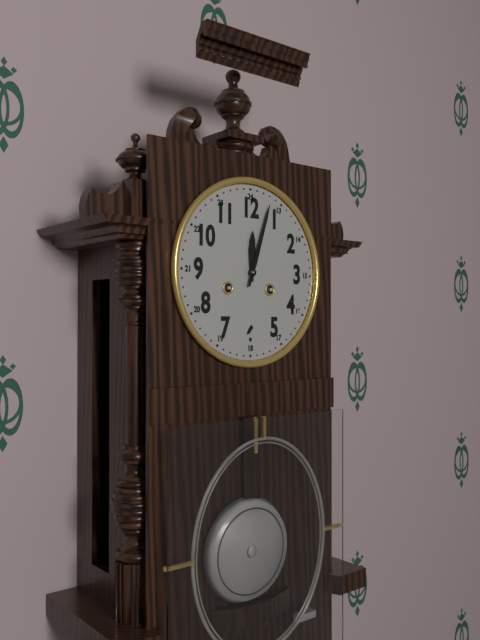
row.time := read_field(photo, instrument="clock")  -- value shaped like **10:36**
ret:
**12:03**
